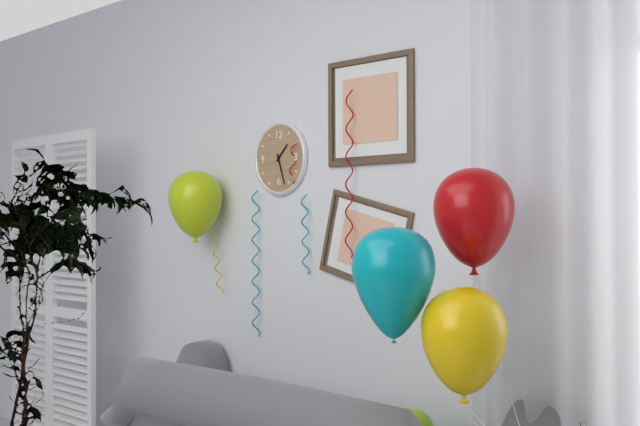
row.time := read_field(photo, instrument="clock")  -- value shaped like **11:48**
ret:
**1:27**
